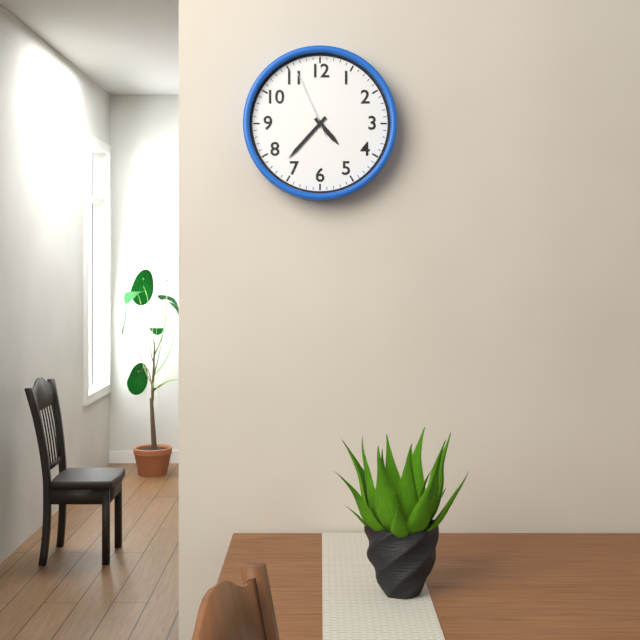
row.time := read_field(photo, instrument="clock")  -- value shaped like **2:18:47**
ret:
**4:37:56**
